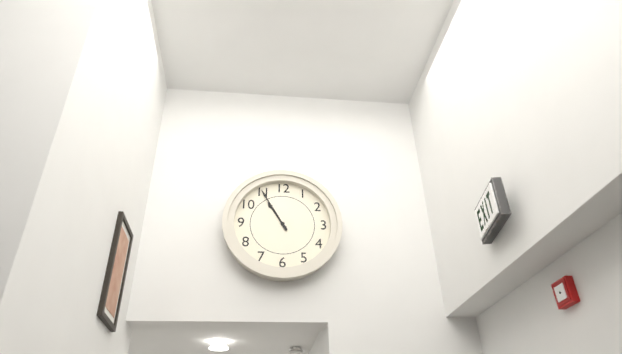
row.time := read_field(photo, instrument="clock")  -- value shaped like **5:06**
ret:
**10:55**
